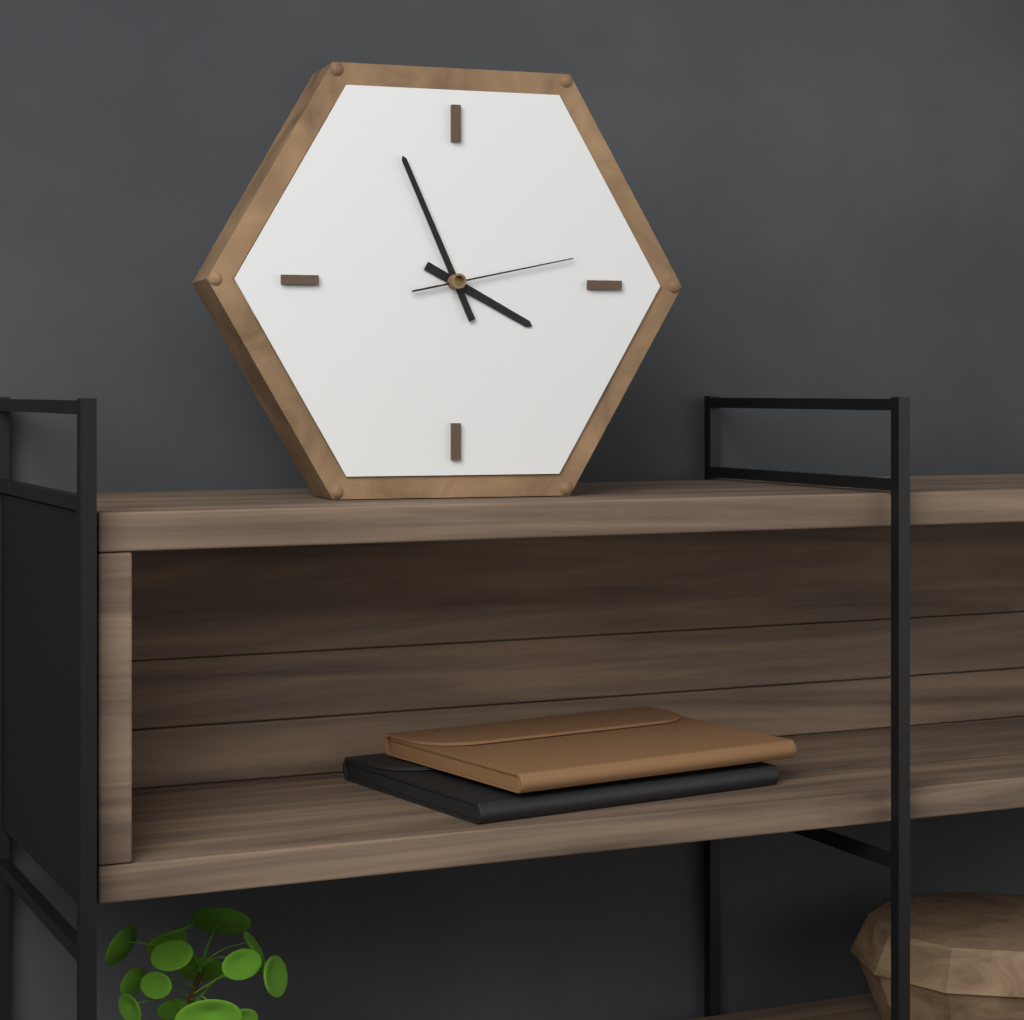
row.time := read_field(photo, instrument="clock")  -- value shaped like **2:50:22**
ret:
**3:56:13**
